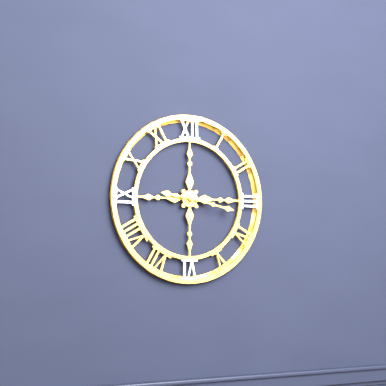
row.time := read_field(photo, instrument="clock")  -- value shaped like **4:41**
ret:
**9:17**
